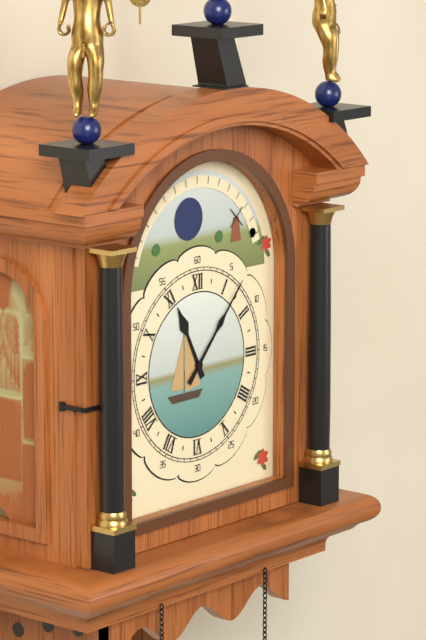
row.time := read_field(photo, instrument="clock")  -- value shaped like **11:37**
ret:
**11:07**
